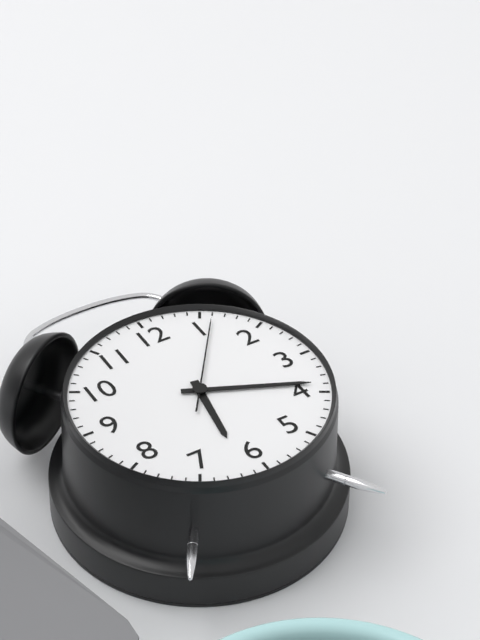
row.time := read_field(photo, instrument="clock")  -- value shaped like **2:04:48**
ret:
**6:19:06**
